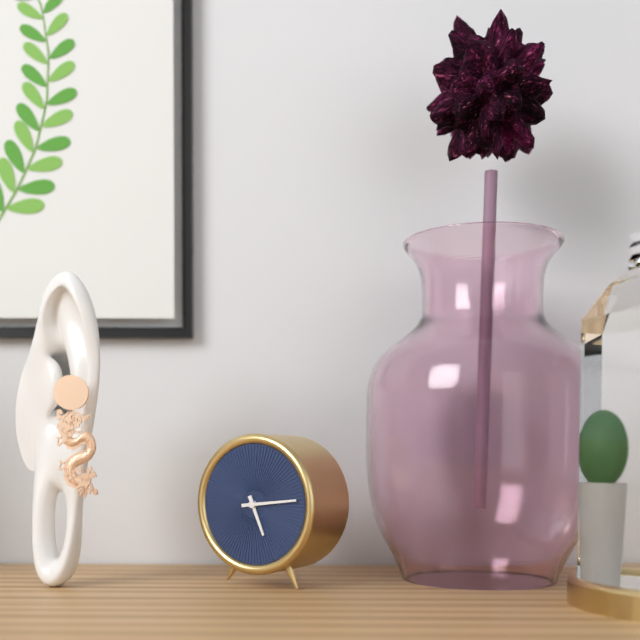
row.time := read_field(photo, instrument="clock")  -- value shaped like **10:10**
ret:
**5:14**
